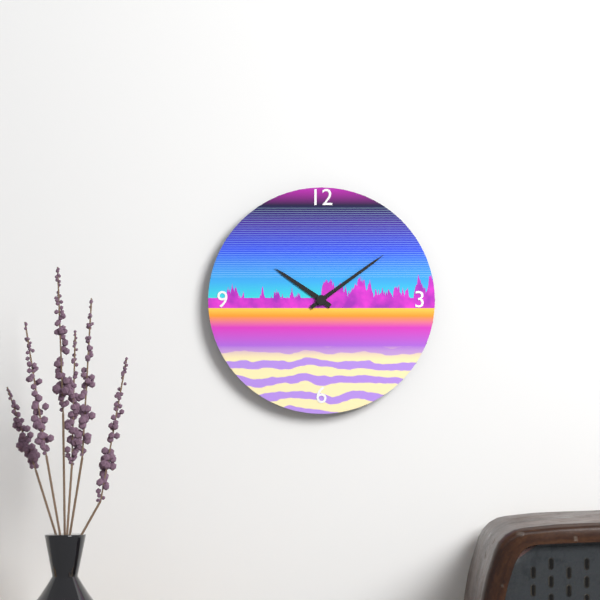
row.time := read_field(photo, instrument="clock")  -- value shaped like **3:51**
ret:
**10:09**
